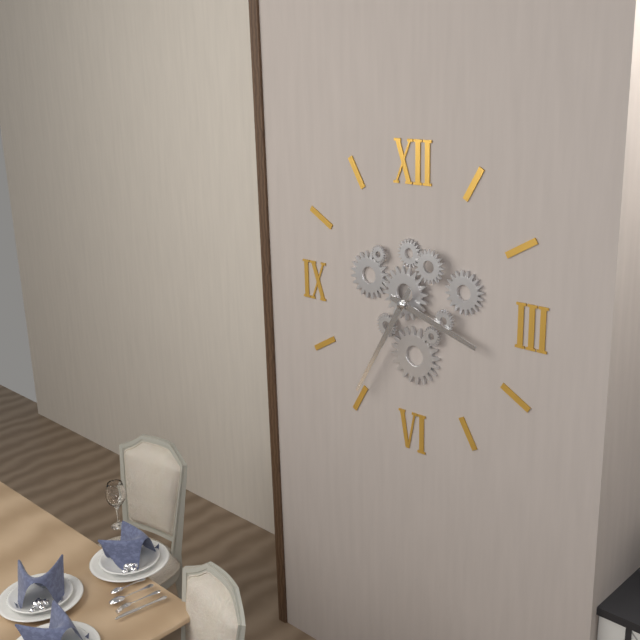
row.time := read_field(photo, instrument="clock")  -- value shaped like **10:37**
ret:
**3:35**
